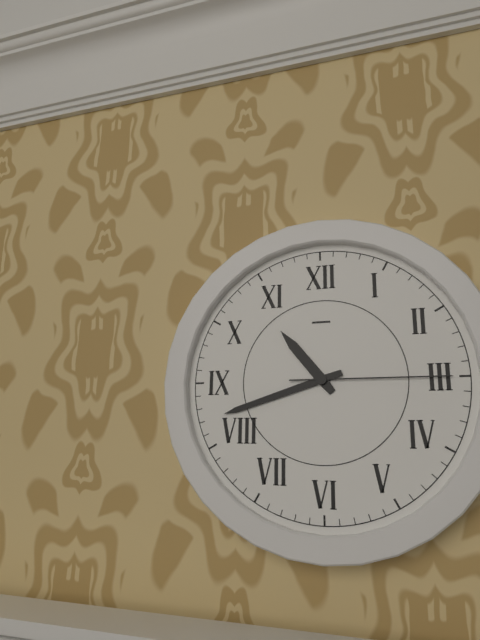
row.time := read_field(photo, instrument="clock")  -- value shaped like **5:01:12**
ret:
**10:42:15**
